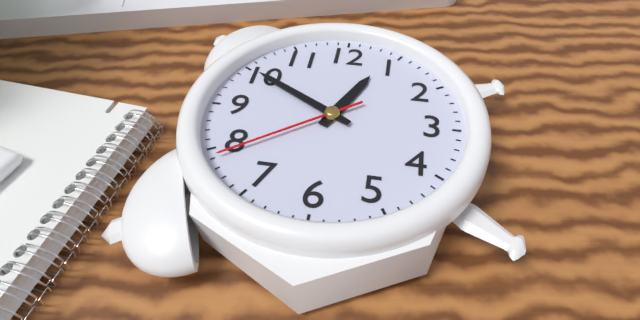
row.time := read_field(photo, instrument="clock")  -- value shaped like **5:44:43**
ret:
**12:50:39**
